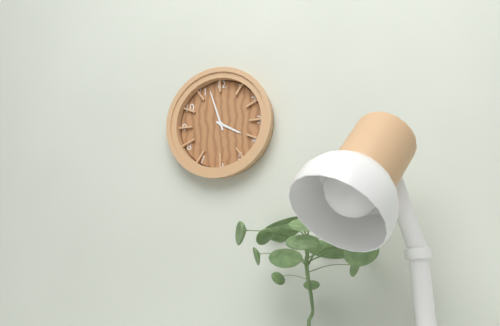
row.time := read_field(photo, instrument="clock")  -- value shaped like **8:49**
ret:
**3:57**
